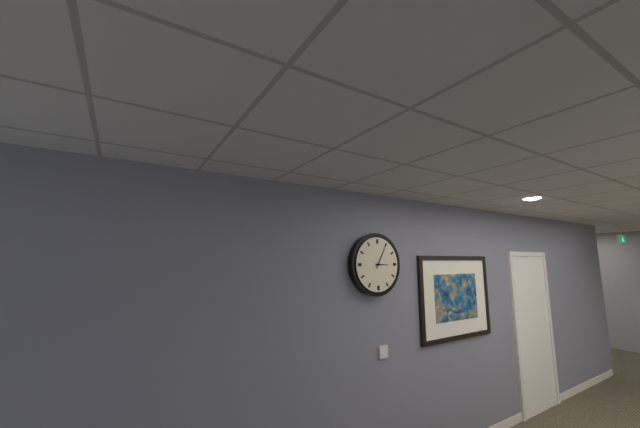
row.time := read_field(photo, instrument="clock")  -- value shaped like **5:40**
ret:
**3:05**
